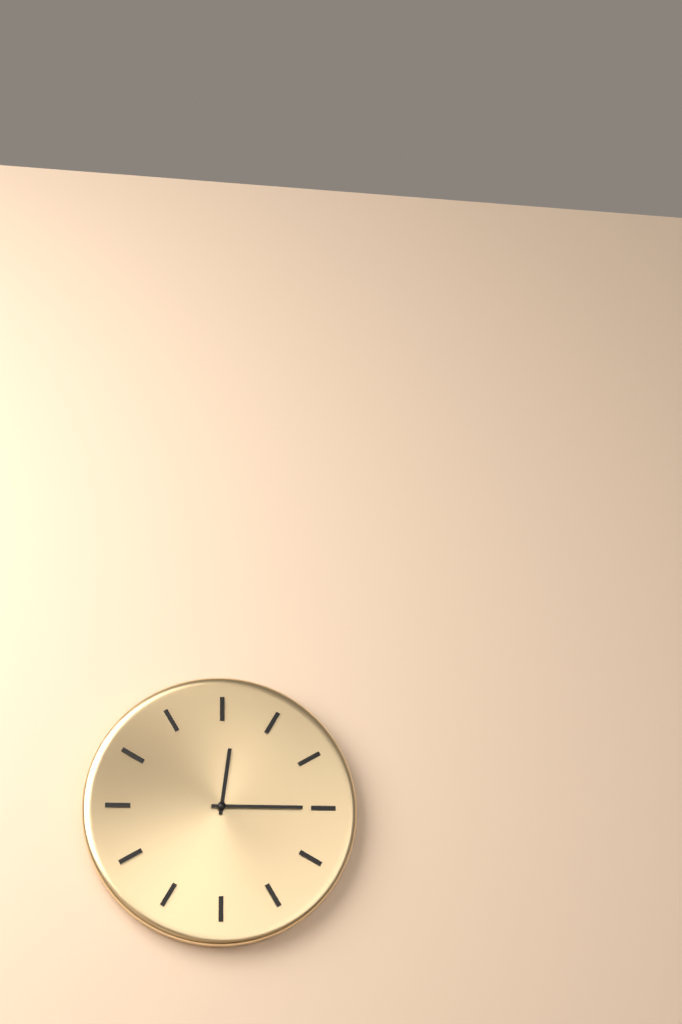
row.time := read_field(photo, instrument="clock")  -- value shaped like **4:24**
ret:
**12:15**
